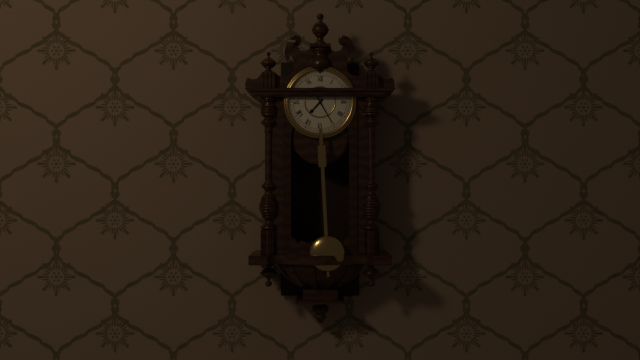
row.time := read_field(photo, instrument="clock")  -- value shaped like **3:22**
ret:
**7:25**
